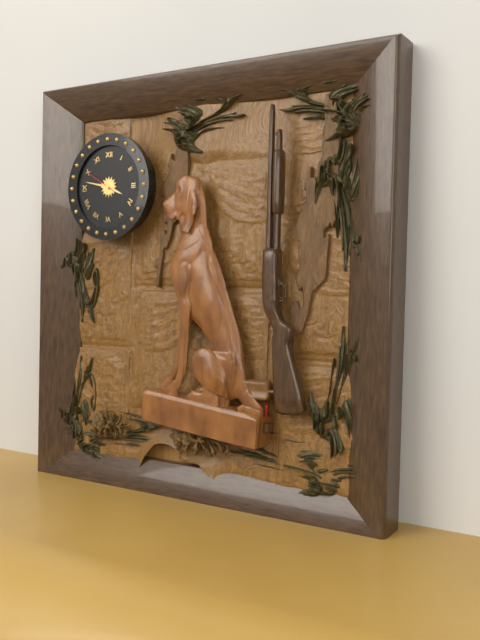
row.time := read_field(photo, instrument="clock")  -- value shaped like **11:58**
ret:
**3:47**
